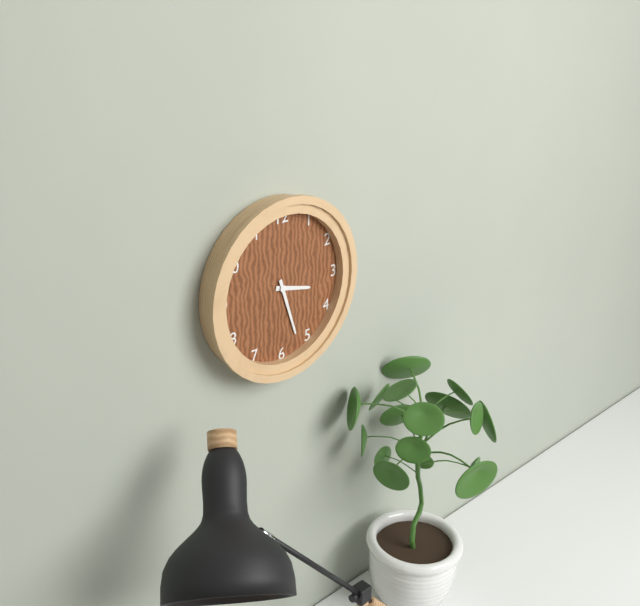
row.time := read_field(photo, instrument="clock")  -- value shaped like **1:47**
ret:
**3:27**
